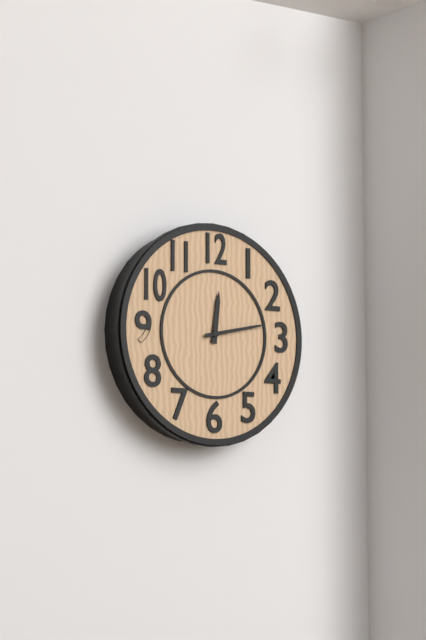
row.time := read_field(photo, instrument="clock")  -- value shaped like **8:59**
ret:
**12:13**
